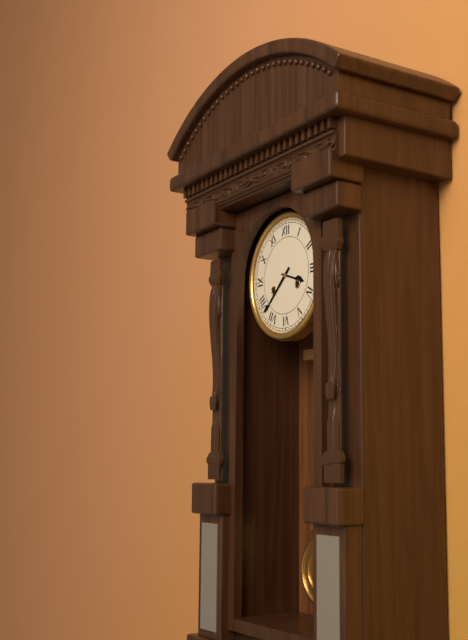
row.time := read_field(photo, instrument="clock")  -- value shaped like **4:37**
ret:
**3:38**
